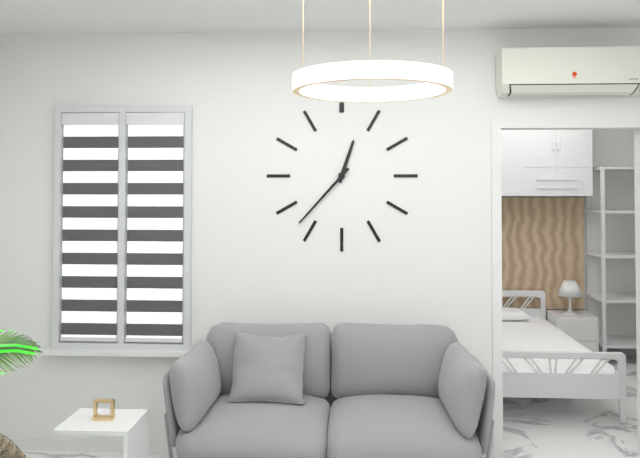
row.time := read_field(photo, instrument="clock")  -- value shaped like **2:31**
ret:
**12:37**
